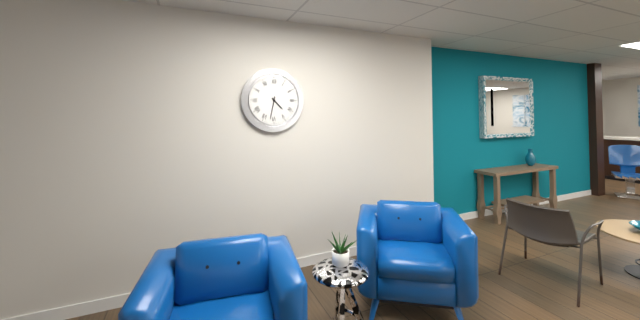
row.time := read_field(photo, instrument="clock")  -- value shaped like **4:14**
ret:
**4:32**
